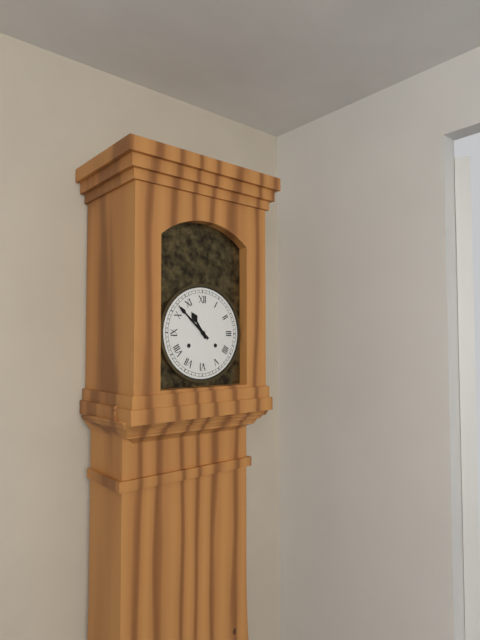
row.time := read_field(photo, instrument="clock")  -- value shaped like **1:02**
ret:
**10:52**
